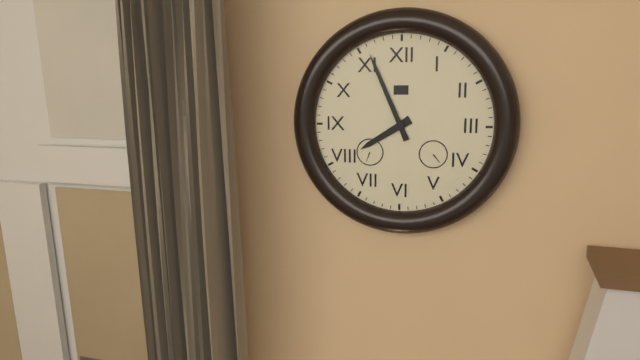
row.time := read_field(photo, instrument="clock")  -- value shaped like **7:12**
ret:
**7:56**
